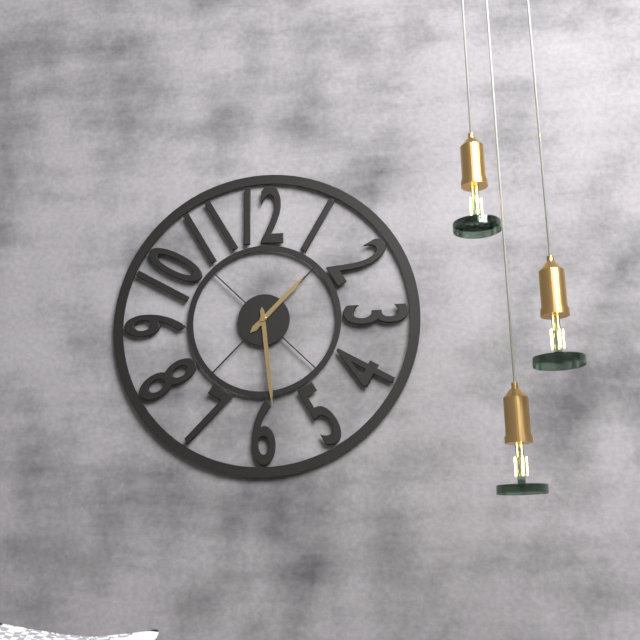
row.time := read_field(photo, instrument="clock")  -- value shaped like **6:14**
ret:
**1:29**
